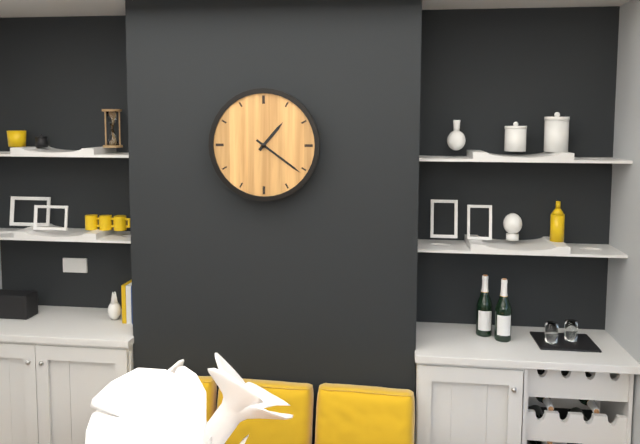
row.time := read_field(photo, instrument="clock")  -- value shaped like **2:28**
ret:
**1:21**
